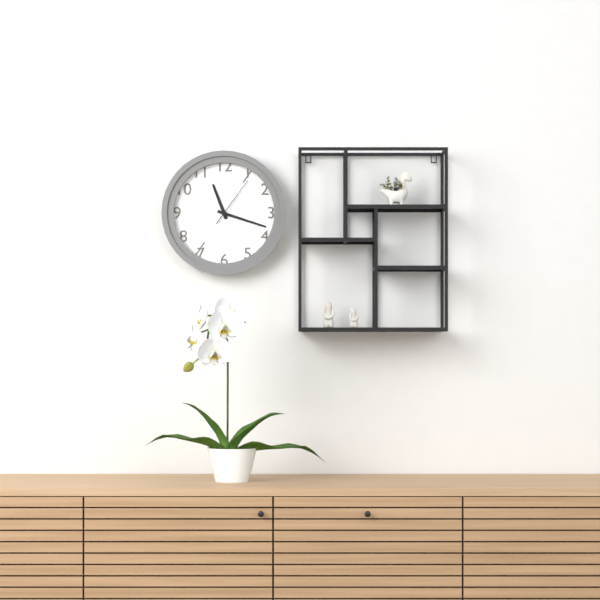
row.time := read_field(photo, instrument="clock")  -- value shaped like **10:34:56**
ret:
**11:18:06**
